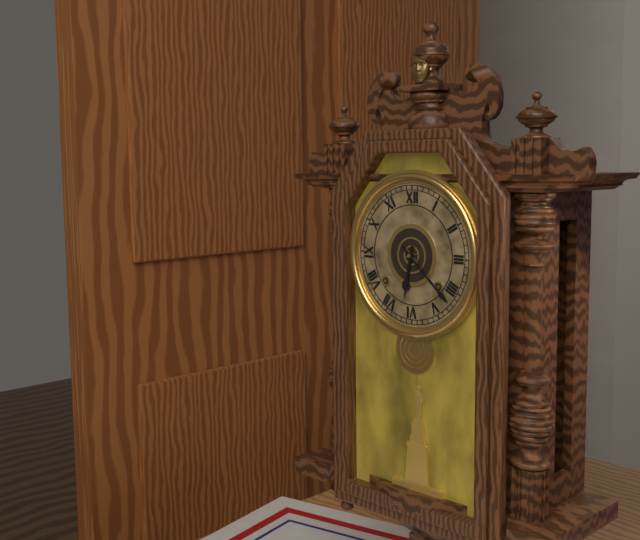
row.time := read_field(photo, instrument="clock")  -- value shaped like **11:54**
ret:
**6:22**
